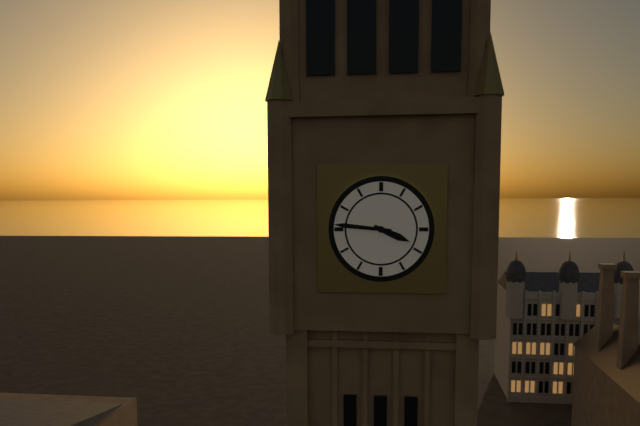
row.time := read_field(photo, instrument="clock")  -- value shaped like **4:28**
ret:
**3:46**
